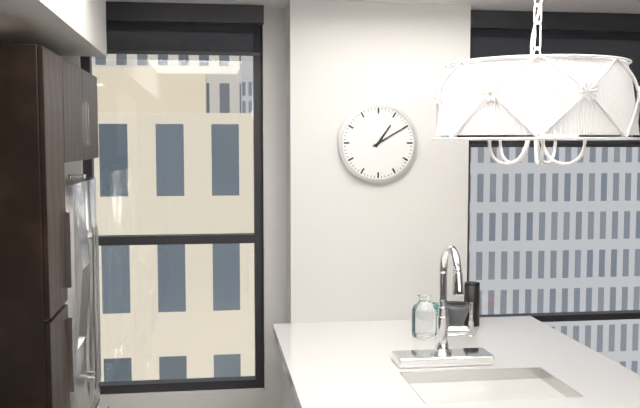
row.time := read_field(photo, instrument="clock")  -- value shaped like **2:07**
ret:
**1:10**
